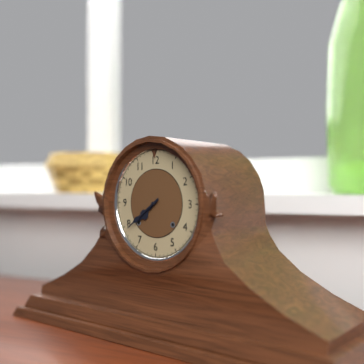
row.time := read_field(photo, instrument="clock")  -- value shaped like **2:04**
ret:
**7:39**
